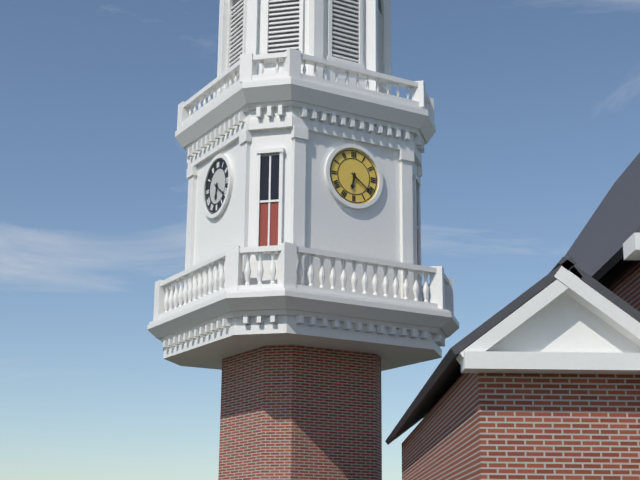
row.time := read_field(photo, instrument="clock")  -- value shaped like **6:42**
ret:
**6:21**
